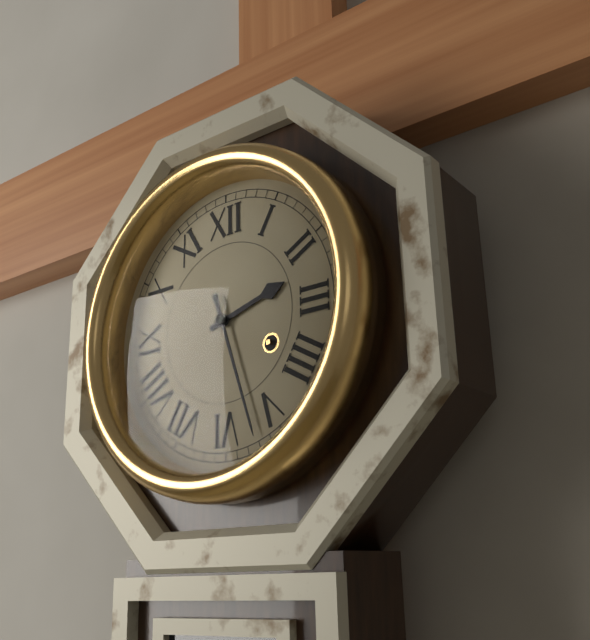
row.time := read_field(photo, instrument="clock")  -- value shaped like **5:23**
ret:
**2:27**
